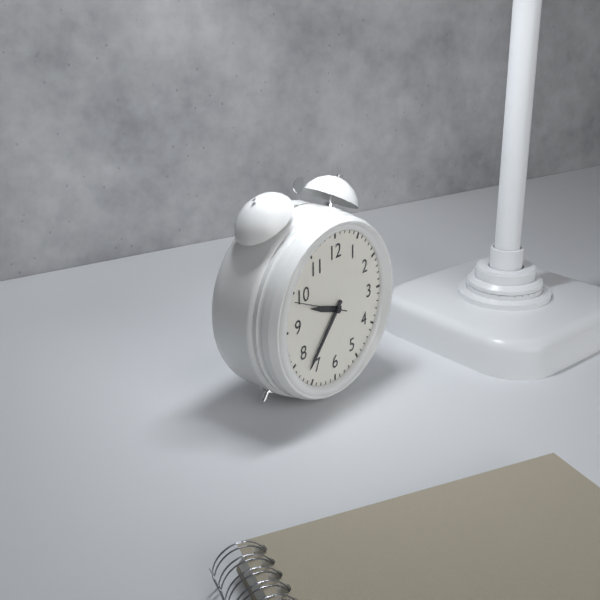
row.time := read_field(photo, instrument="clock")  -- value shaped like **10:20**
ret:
**9:37**
